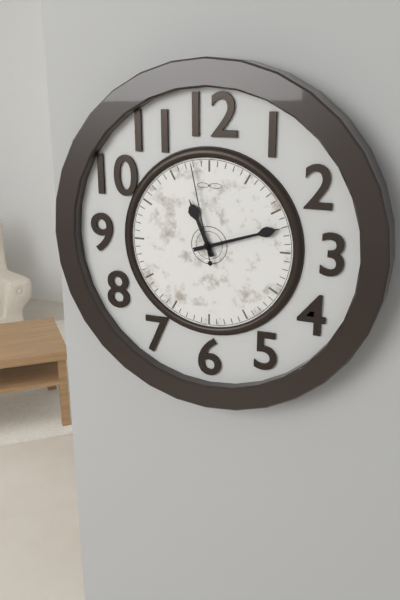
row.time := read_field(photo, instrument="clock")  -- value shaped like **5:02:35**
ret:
**11:12:58**
